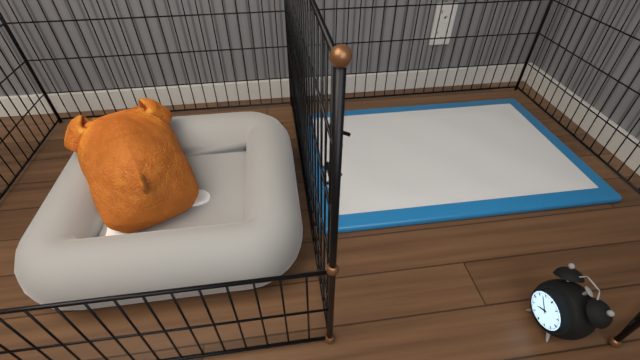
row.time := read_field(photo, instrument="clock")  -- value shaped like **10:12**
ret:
**7:53**
